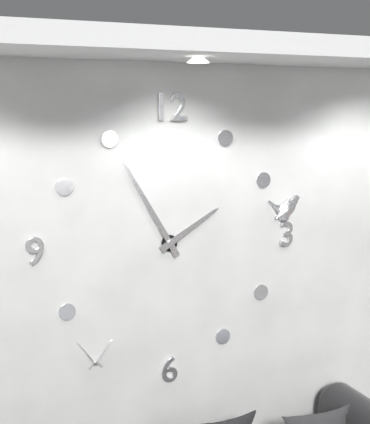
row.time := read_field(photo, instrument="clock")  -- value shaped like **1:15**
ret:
**1:55**
